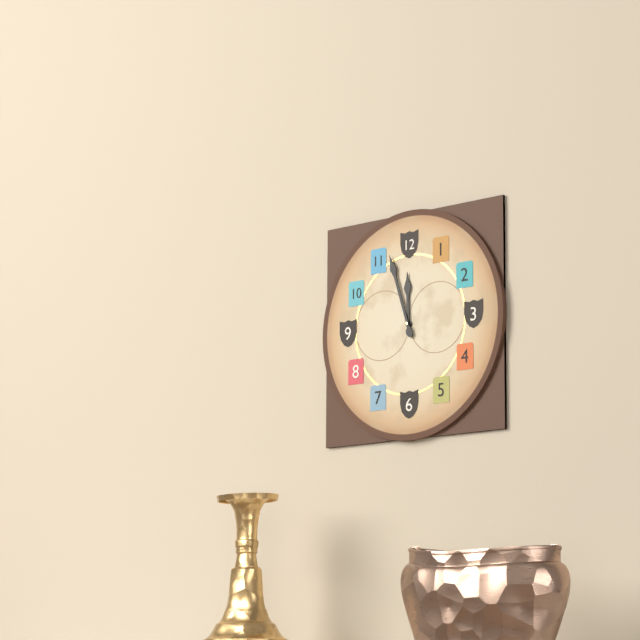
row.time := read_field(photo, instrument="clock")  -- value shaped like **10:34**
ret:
**11:57**
